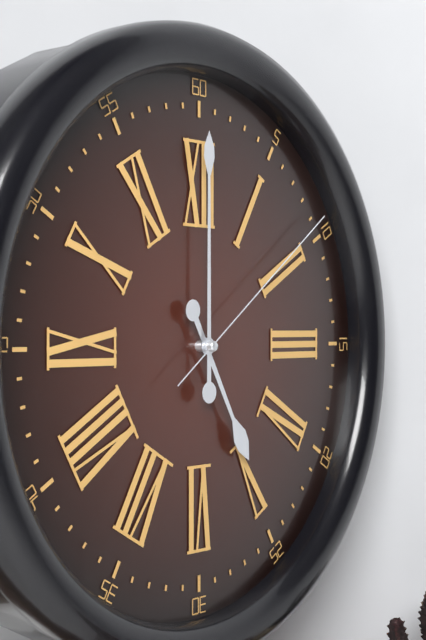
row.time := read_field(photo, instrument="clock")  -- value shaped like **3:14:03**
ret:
**5:00:09**
